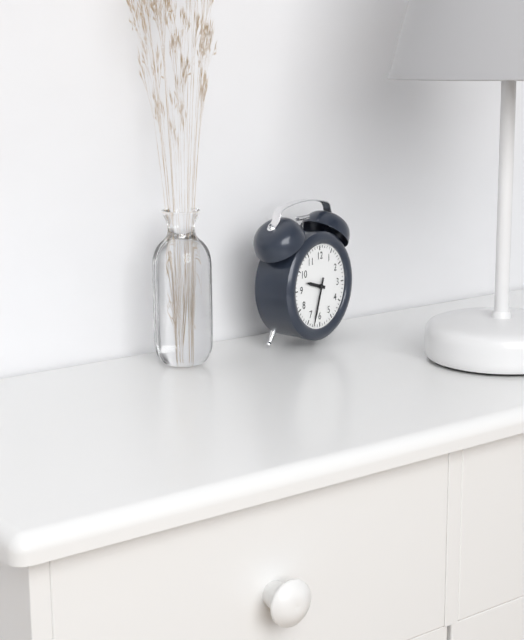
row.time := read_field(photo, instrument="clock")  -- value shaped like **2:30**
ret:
**9:33**
